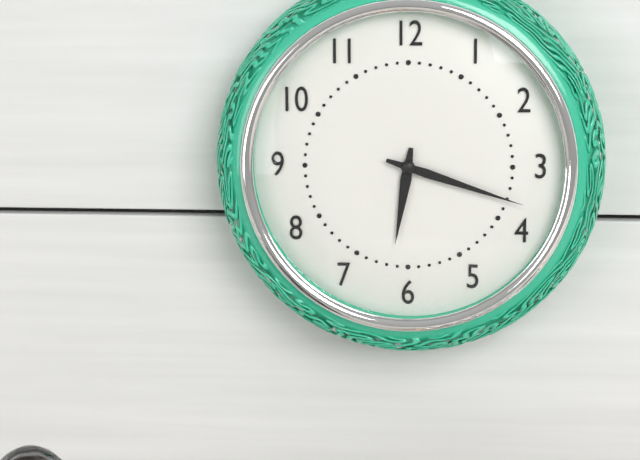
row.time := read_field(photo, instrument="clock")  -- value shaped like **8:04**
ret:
**6:18**
